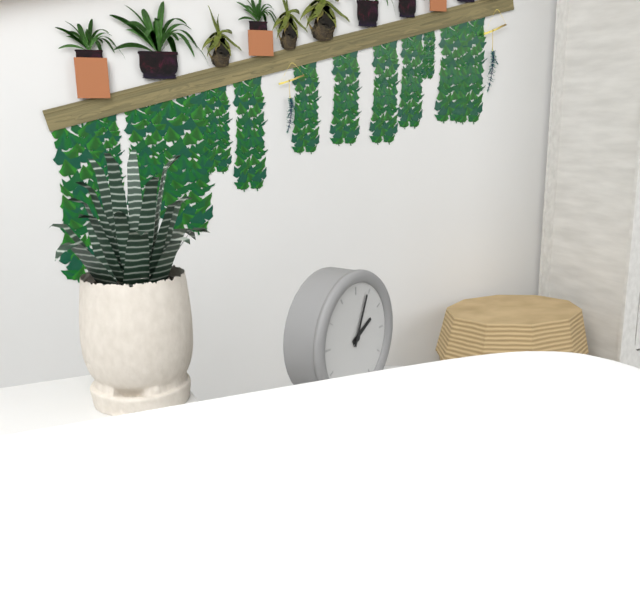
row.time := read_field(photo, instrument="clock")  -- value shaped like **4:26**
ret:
**2:04**
